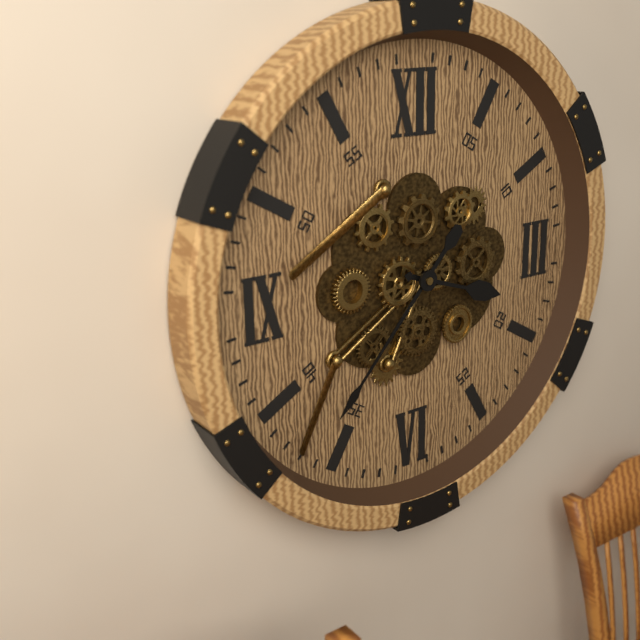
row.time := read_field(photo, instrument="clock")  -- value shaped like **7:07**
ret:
**3:37**
